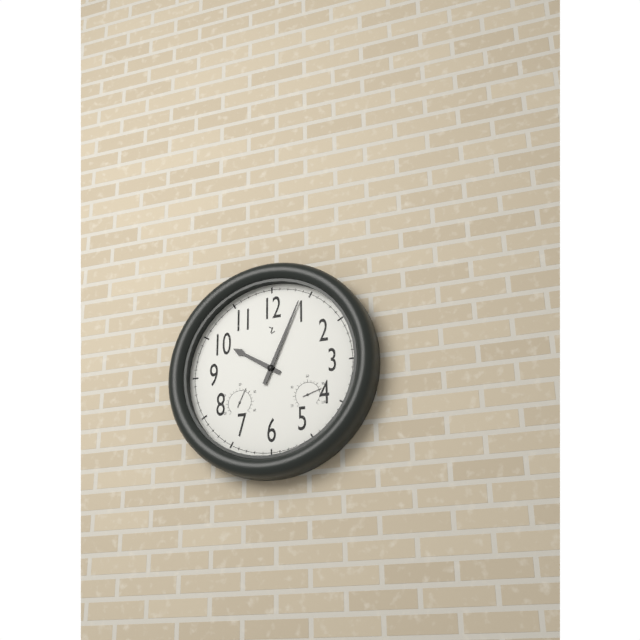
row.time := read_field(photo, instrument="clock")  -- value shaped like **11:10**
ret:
**10:04**
